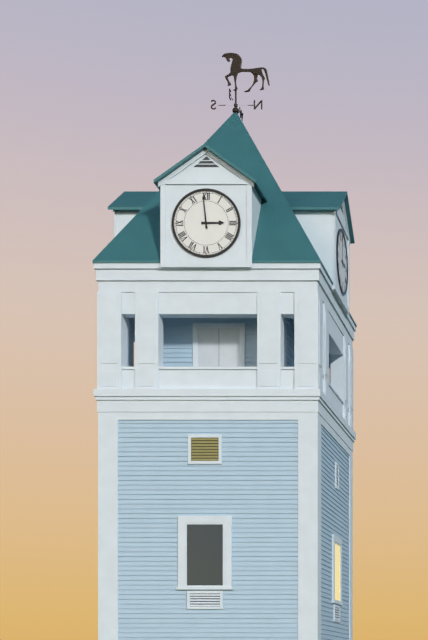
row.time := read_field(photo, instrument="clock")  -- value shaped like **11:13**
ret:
**2:59**
